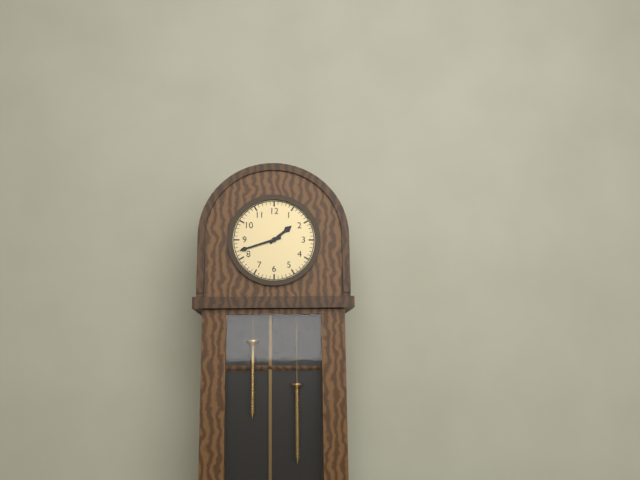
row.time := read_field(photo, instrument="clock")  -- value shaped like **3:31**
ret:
**1:42**
